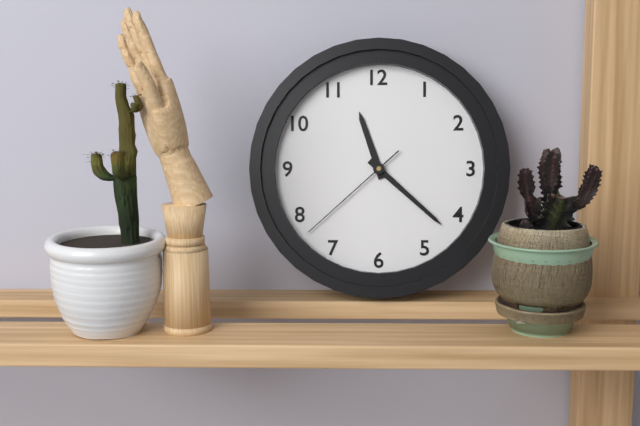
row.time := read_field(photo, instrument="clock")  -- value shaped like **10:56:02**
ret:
**11:22:38**
